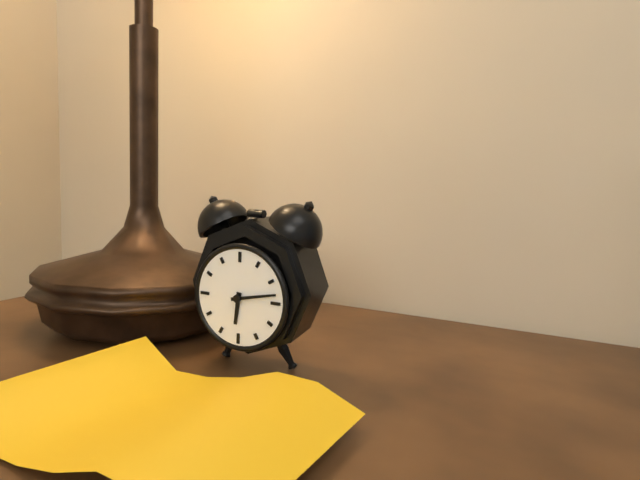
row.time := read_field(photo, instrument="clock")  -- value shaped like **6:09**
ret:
**6:13**
